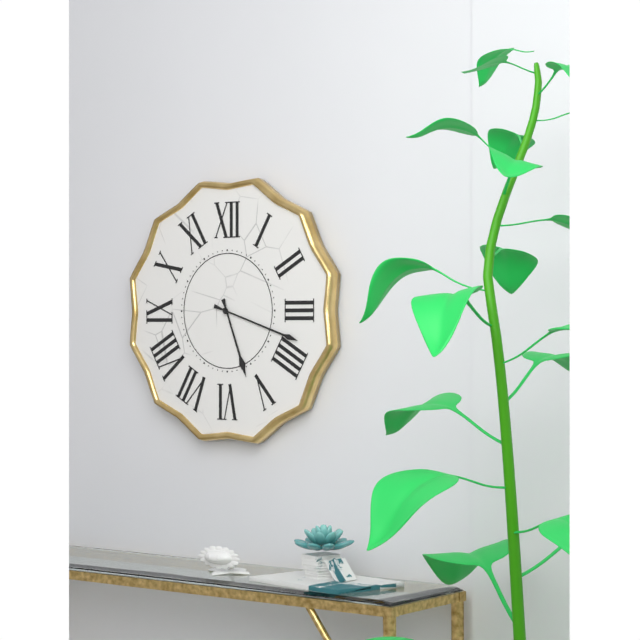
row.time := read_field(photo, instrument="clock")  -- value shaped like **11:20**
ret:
**5:18**
